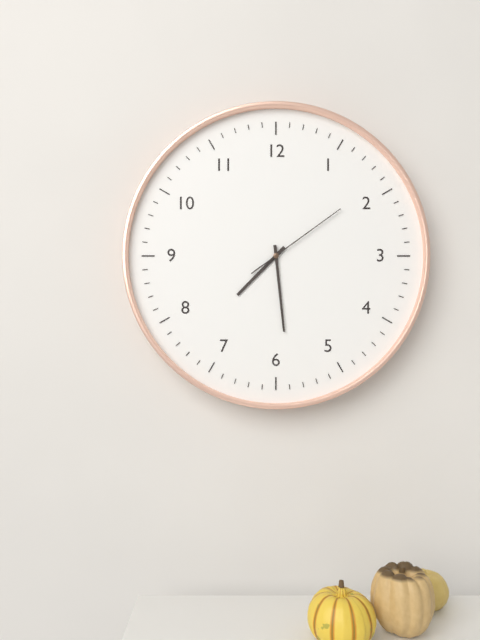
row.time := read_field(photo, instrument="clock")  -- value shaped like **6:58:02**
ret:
**7:29:09**
